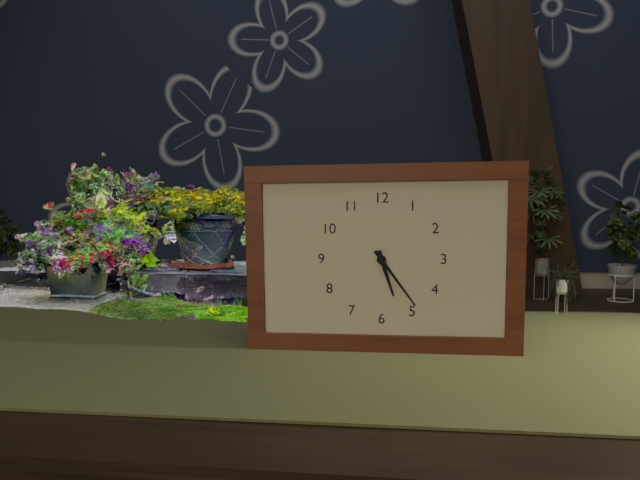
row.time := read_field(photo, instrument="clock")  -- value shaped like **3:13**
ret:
**5:24**
